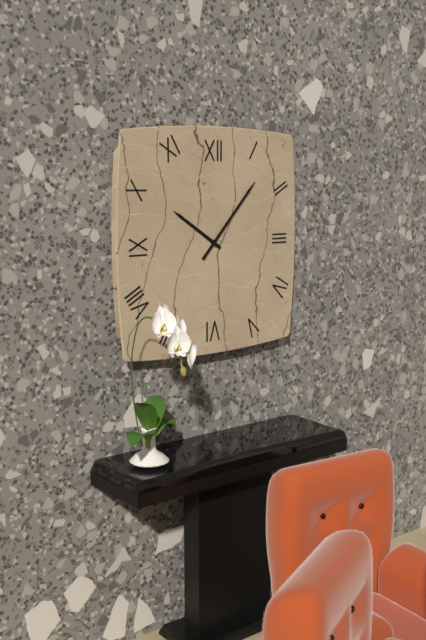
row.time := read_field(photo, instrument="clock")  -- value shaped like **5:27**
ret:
**10:07**
